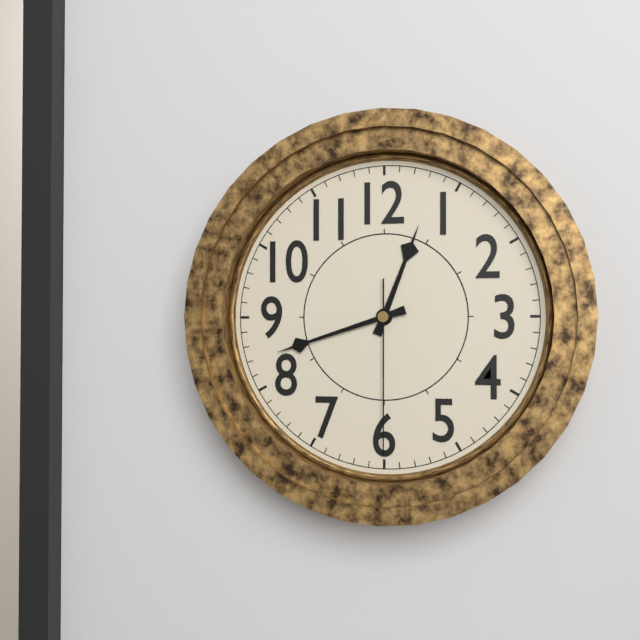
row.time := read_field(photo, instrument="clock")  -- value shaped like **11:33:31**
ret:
**12:42:30**
